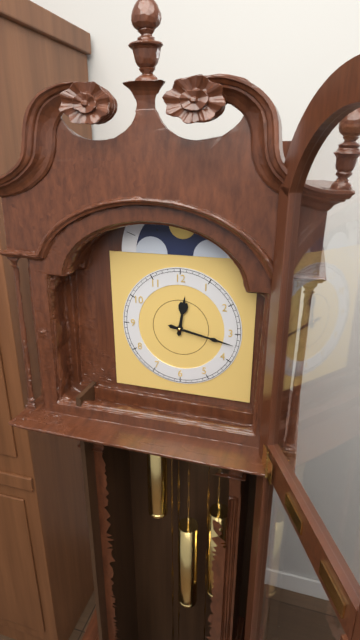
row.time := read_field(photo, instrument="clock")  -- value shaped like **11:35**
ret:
**12:17**
